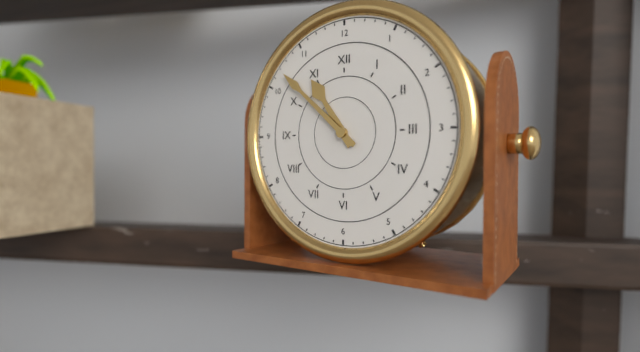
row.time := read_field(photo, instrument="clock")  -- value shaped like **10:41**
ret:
**10:52**
